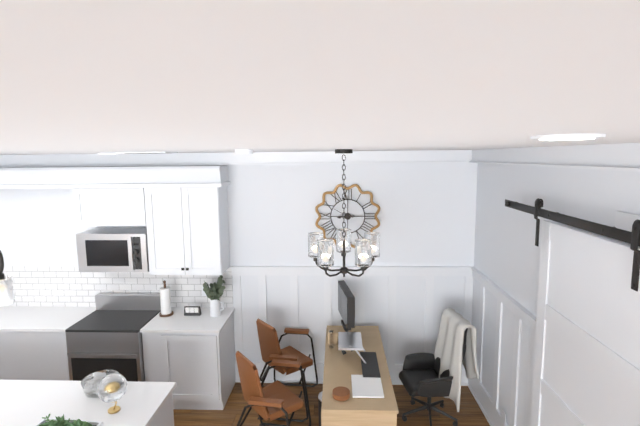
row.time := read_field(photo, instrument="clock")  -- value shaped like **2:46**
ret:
**8:50**
